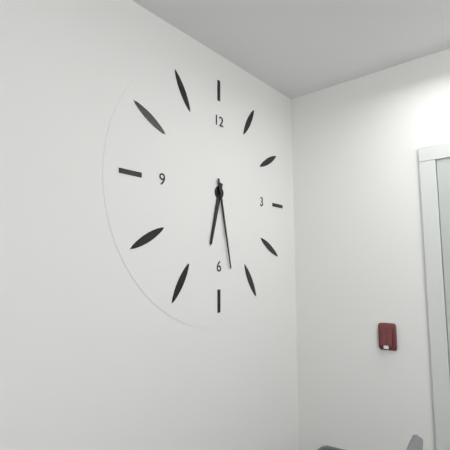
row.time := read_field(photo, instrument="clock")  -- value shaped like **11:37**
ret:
**6:28**
